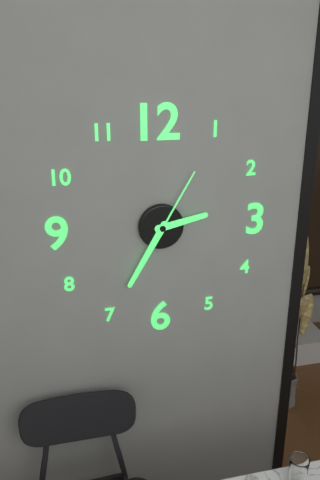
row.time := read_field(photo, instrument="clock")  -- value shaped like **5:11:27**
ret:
**2:35:05**
